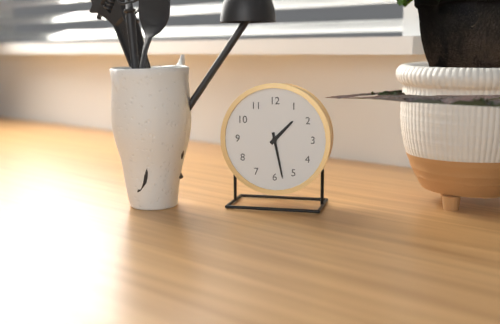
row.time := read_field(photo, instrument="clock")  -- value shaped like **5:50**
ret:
**1:28**
